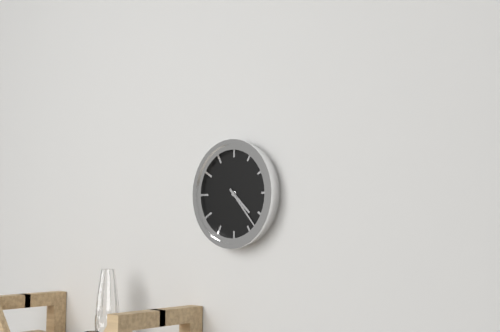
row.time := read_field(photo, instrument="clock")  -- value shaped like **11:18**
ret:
**4:23**
